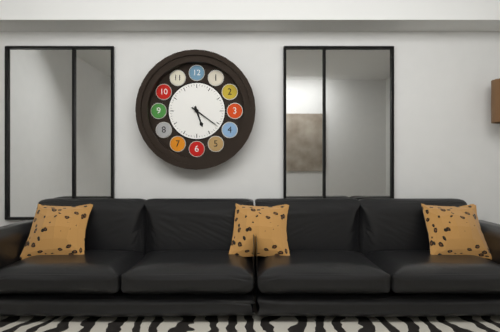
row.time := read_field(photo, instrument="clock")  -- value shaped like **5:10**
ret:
**5:21**
